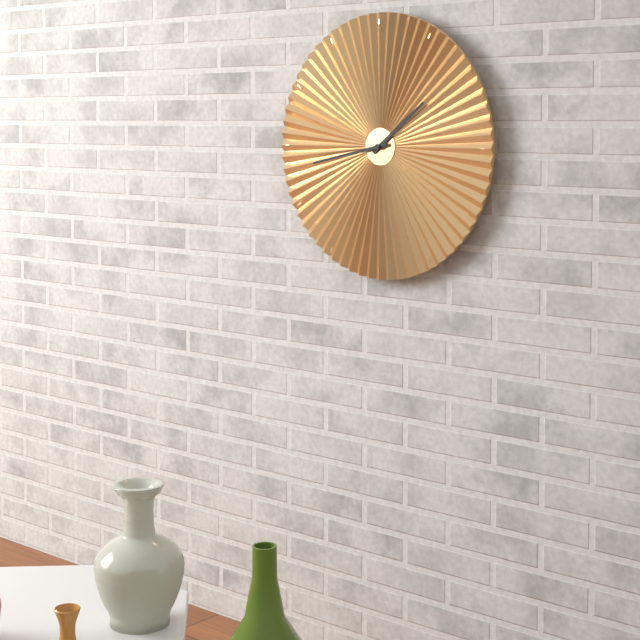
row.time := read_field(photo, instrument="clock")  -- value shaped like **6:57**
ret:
**1:43**
